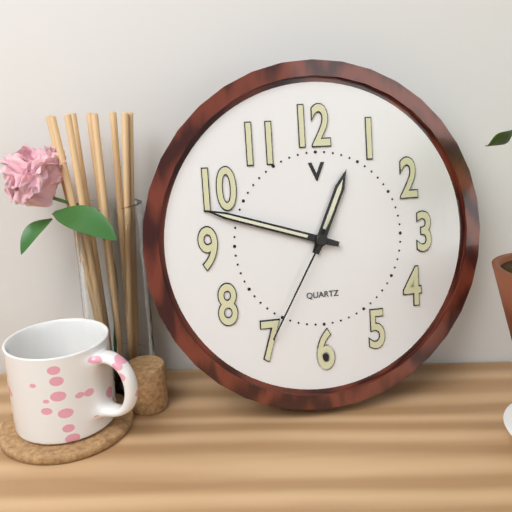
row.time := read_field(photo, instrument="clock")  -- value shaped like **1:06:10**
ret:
**12:48:35**
